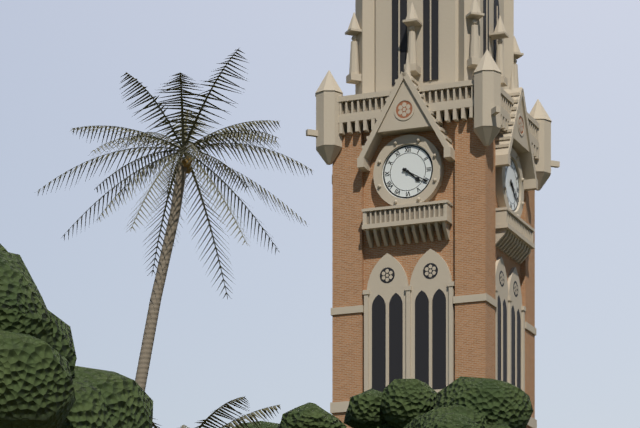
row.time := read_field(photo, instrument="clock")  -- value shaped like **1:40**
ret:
**4:20**
